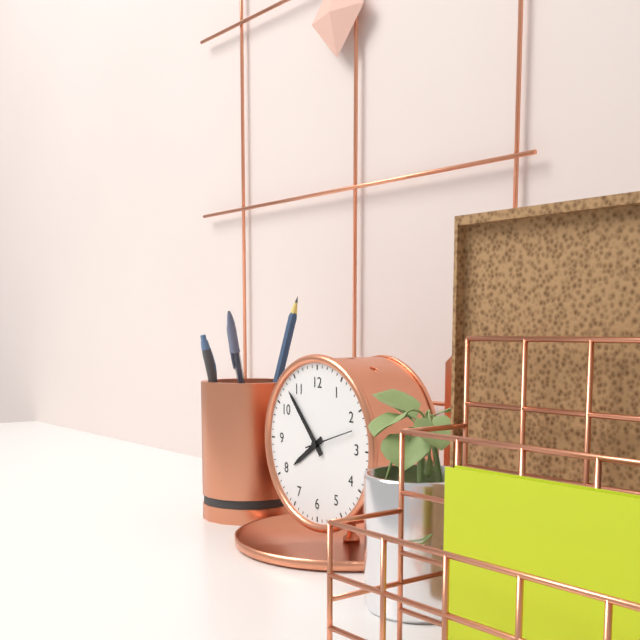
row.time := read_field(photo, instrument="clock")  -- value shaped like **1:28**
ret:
**7:53**
